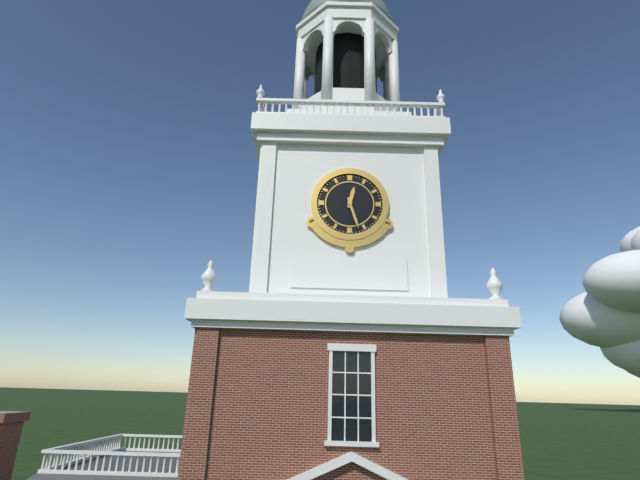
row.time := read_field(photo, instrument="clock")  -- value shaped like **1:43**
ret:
**12:27**
